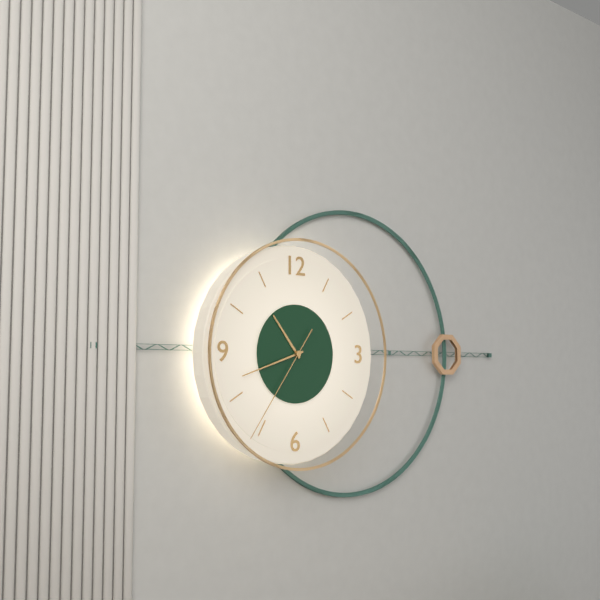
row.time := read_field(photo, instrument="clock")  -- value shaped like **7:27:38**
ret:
**10:42:36**
